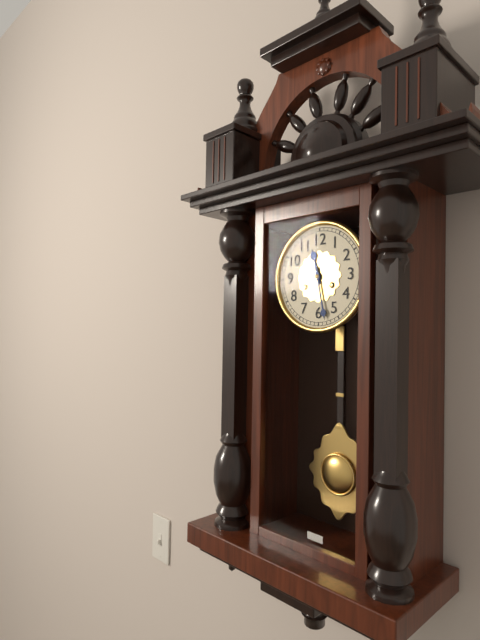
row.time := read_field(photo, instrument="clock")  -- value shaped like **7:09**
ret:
**11:28**
